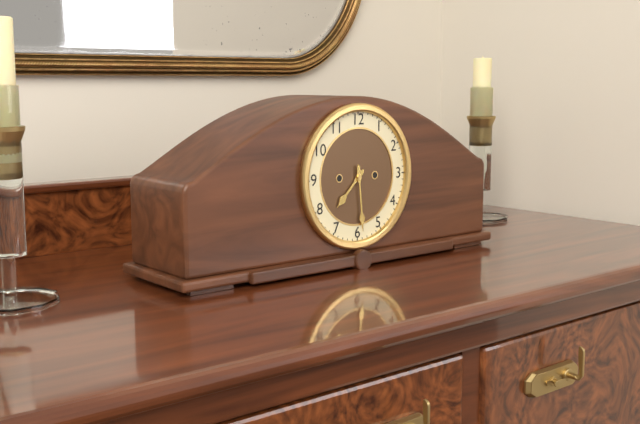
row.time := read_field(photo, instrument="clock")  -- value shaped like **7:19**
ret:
**7:29**
